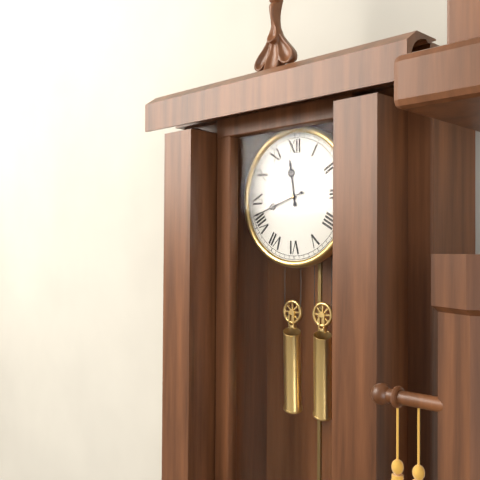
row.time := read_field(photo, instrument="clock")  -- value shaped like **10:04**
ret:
**11:42**
